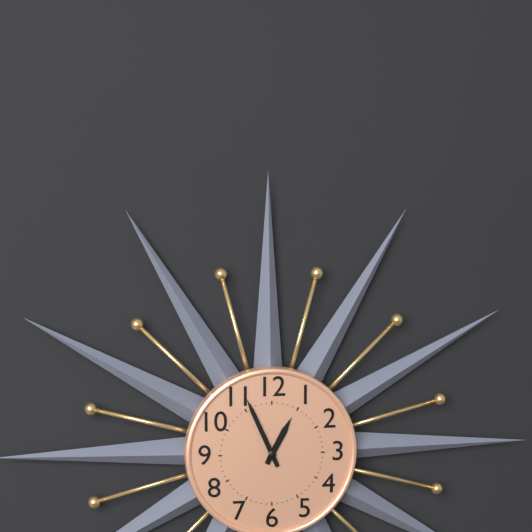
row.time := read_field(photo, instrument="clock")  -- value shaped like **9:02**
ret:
**12:56**
